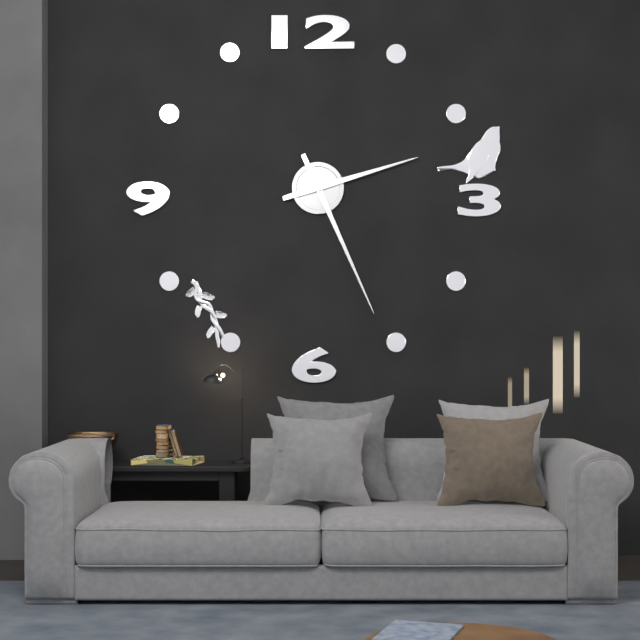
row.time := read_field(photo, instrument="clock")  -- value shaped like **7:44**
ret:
**2:26**
